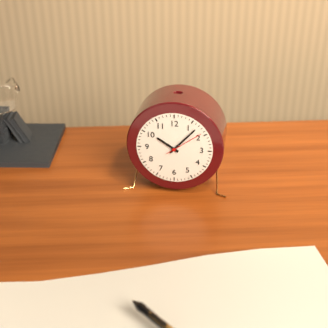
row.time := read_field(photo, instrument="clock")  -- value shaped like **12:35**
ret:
**10:07**
